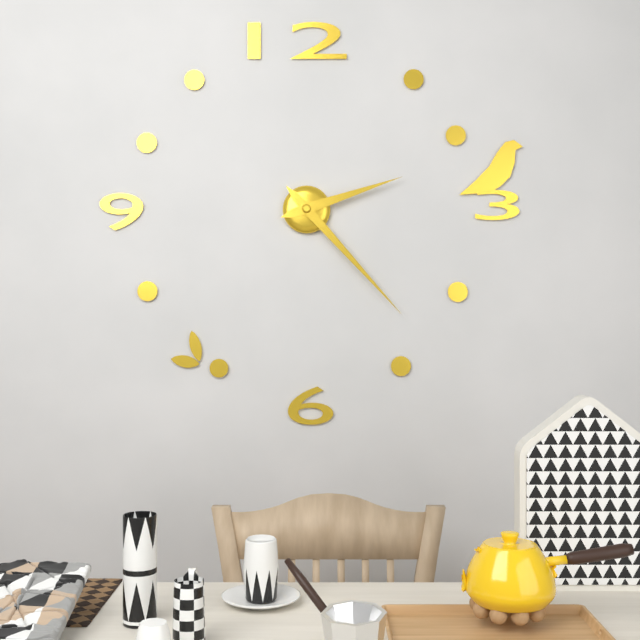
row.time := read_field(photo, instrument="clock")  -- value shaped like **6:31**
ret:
**2:23**
